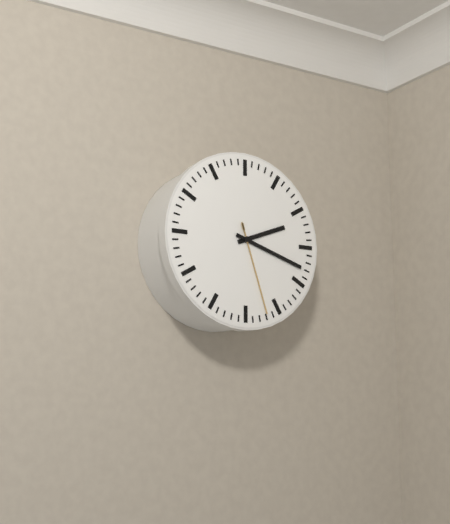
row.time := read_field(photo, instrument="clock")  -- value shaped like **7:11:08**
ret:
**2:18:27**
